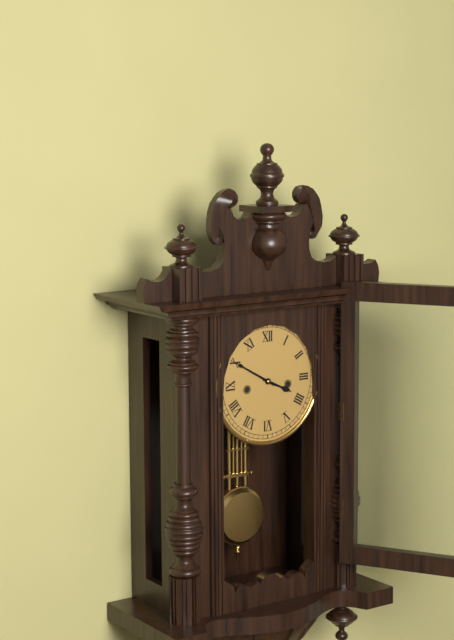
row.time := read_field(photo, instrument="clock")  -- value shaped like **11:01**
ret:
**3:50**
